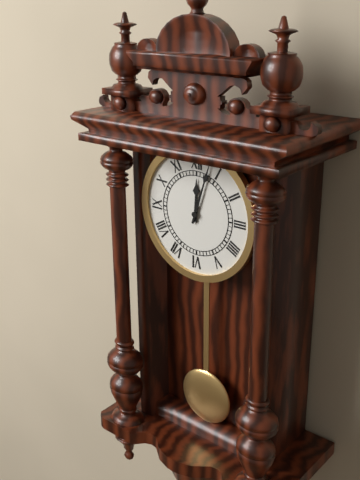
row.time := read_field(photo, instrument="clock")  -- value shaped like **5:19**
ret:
**12:03**
